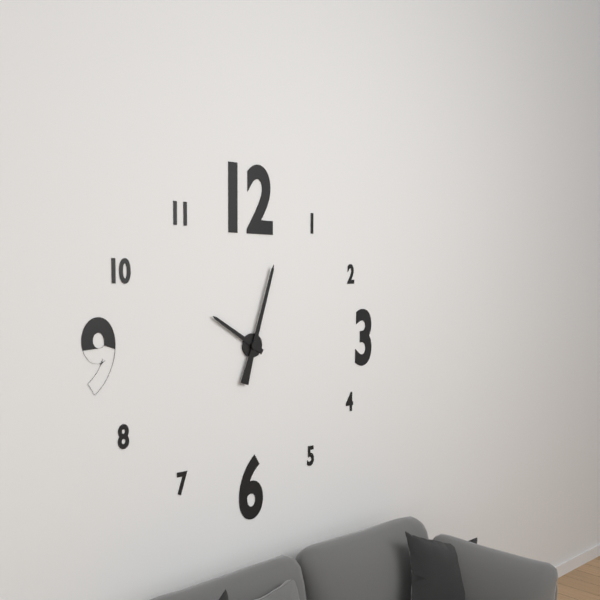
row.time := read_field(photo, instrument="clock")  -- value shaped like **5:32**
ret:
**10:03**
